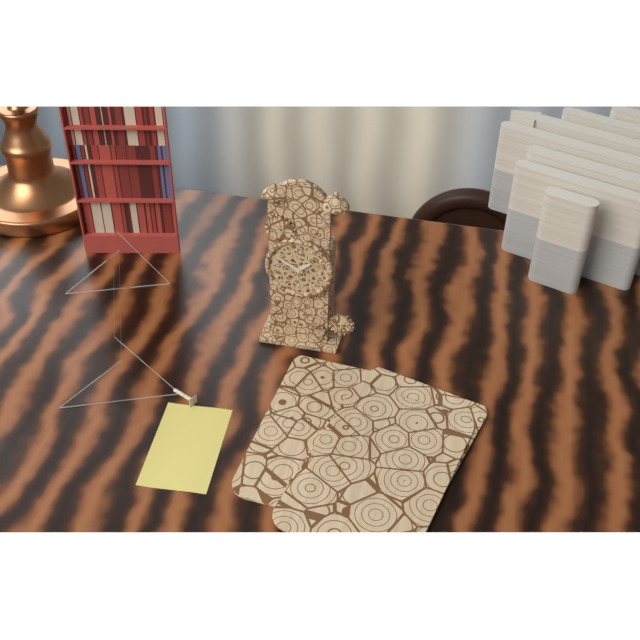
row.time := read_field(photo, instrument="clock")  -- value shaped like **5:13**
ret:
**1:50**
